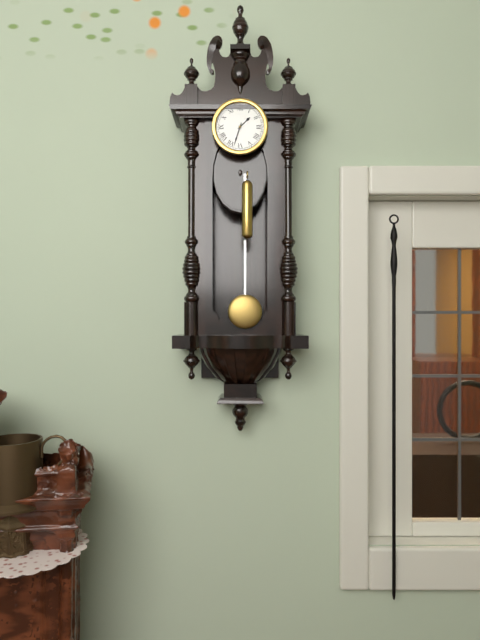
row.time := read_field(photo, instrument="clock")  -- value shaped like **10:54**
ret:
**1:33**
